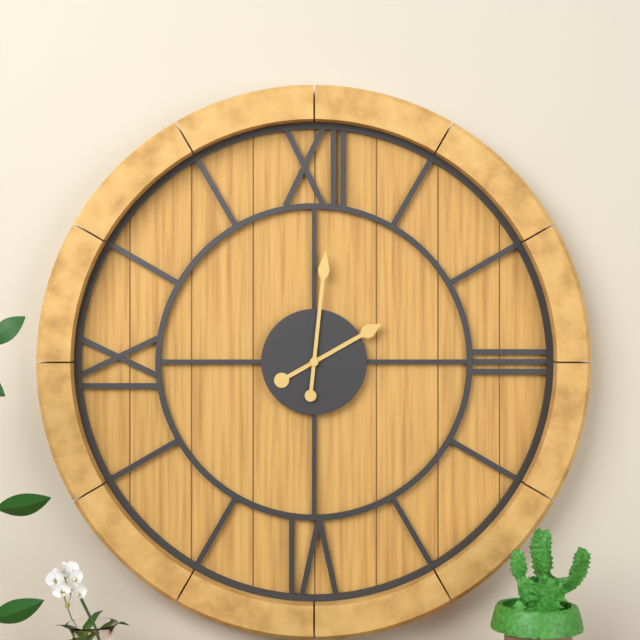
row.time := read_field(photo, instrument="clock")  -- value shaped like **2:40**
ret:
**2:01**
